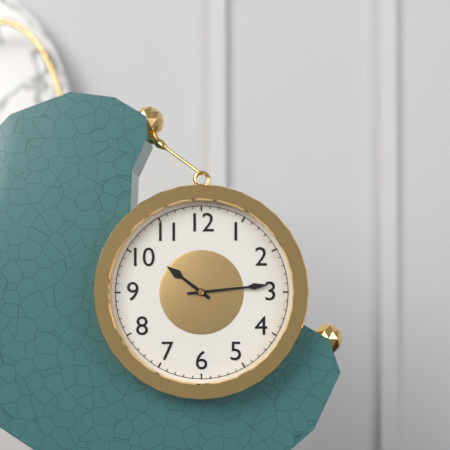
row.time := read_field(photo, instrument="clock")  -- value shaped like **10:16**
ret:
**10:14**
